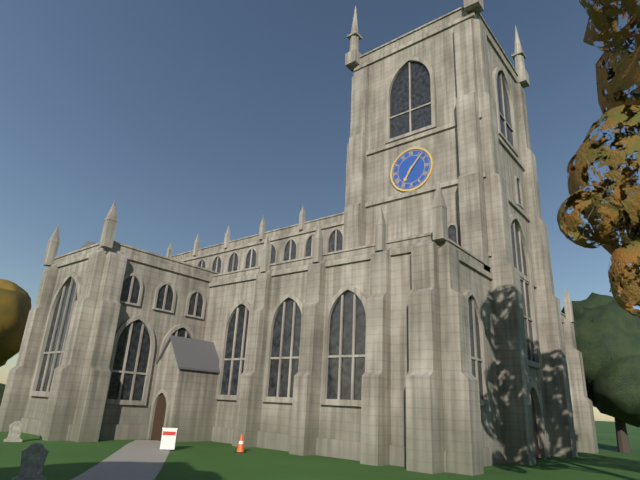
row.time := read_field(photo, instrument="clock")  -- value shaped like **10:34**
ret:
**7:07**
